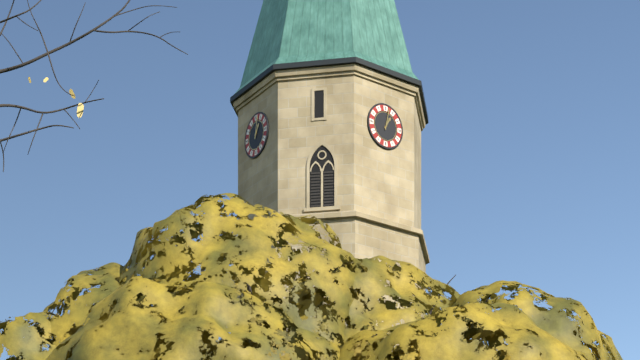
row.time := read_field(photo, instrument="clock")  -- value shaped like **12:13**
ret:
**1:02**
